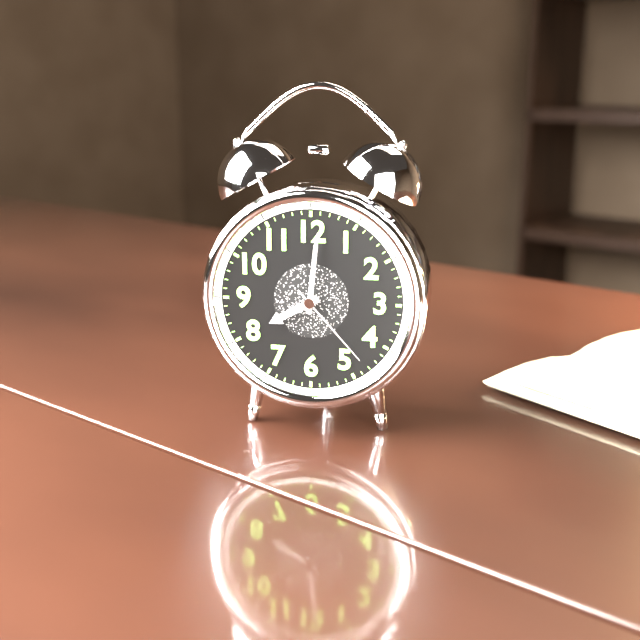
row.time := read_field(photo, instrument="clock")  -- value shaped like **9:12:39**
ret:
**8:01:23**
